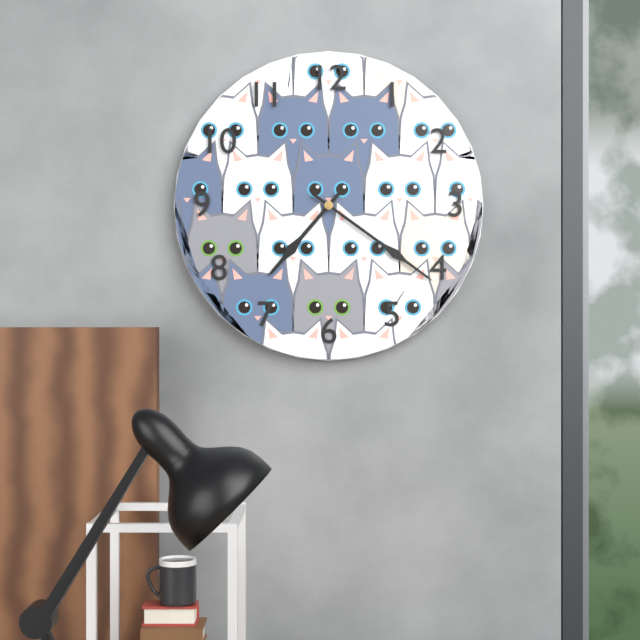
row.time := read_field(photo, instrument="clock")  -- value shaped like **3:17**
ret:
**7:21**
